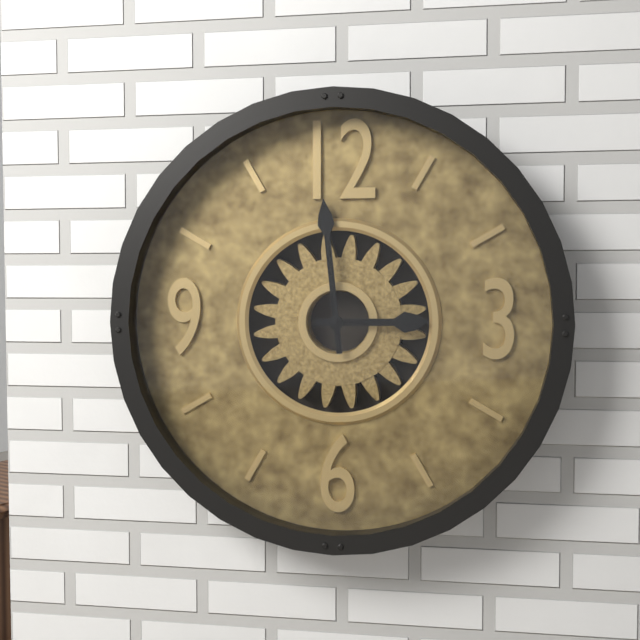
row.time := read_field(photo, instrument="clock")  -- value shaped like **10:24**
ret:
**2:59**
